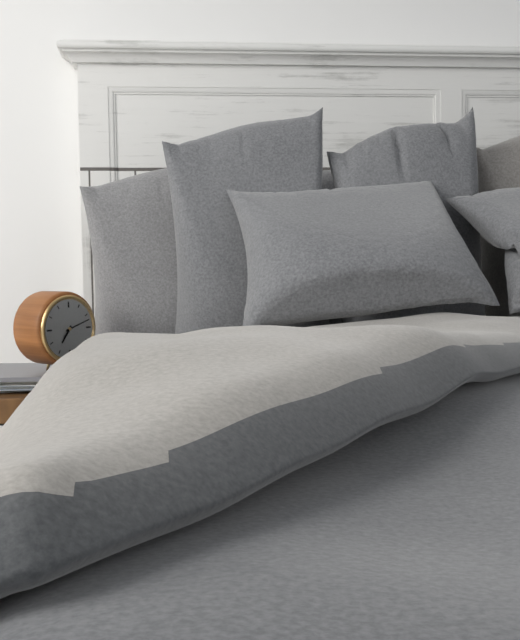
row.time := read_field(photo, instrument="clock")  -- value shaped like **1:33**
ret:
**7:12**
